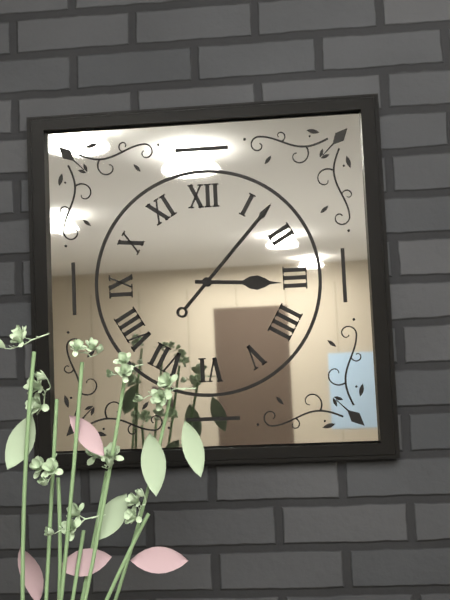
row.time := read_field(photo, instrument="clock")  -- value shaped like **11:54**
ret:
**3:07**
